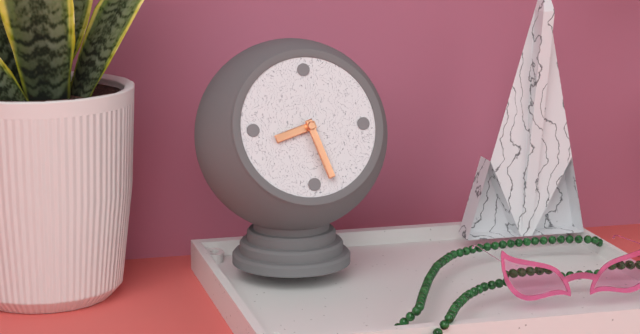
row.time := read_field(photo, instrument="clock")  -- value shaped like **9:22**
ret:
**8:27**
